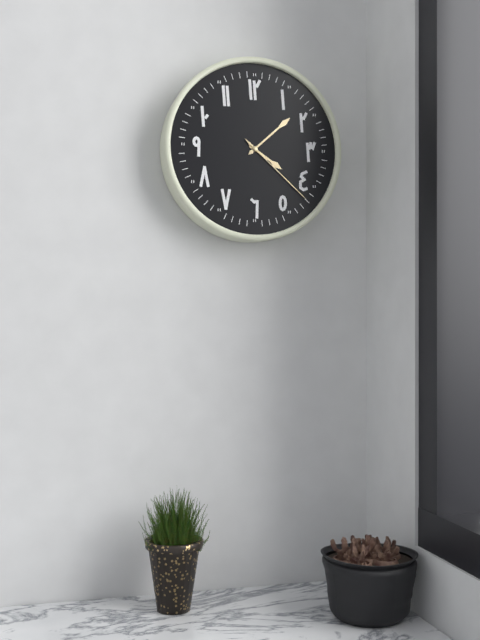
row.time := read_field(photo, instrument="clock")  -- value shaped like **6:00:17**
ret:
**4:08:22**
